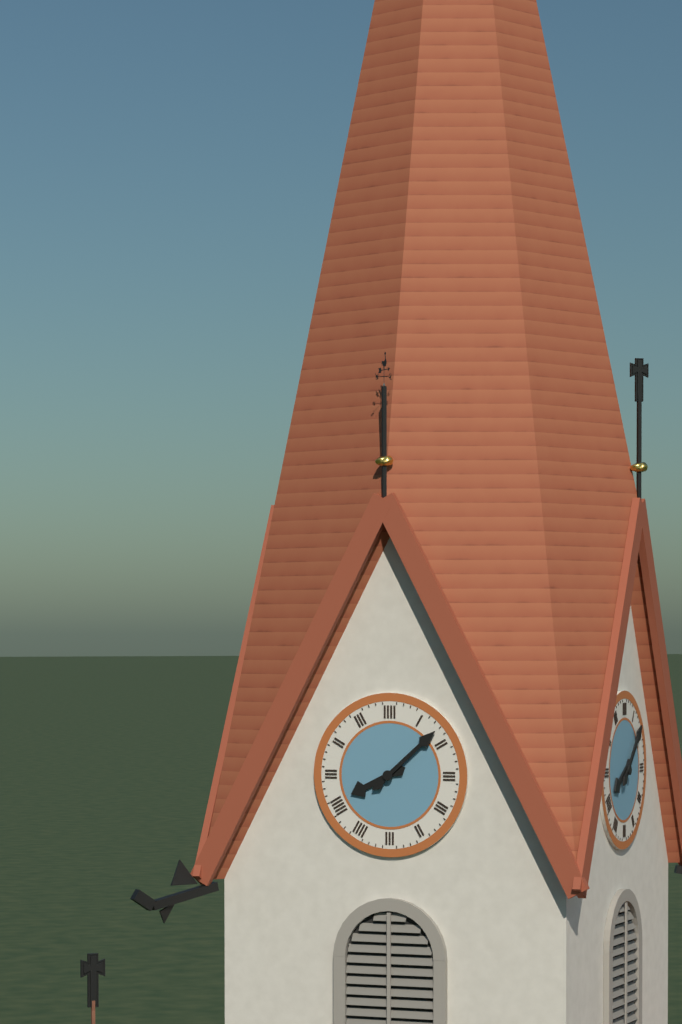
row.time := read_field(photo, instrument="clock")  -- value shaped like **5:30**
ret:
**8:08**
